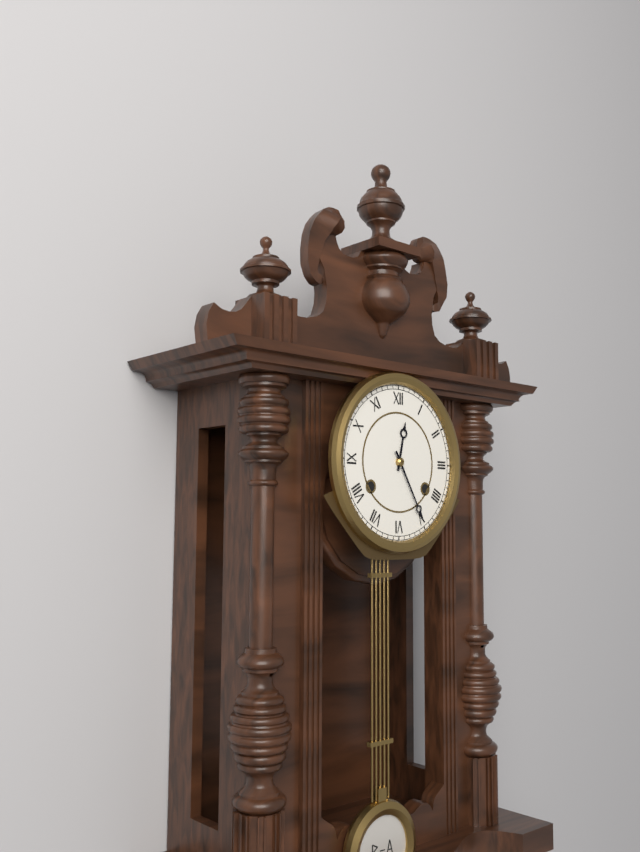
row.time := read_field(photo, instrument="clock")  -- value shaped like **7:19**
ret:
**12:25**
